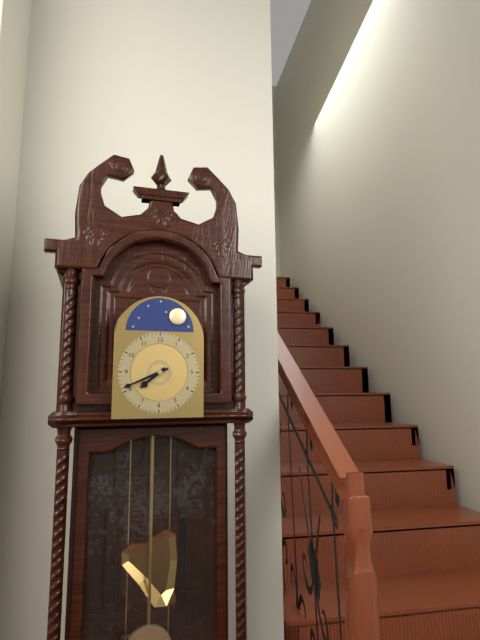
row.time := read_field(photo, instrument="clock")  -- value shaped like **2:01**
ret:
**7:41**
